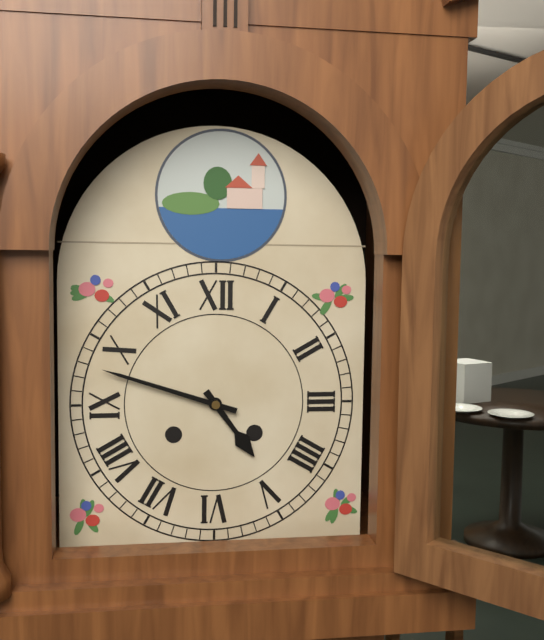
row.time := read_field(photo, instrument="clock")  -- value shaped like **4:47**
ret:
**4:48**
